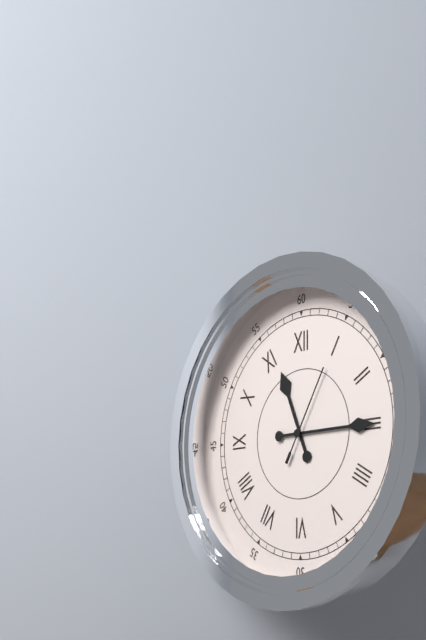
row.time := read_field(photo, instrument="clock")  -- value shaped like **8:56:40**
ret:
**11:15:05**
